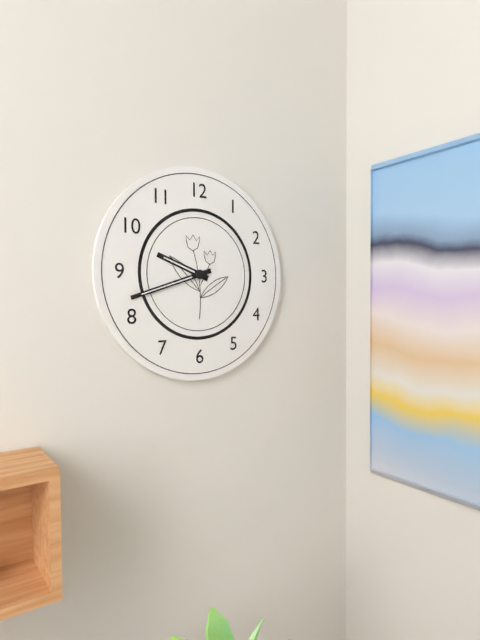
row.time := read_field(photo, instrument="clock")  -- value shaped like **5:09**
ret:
**9:42**
